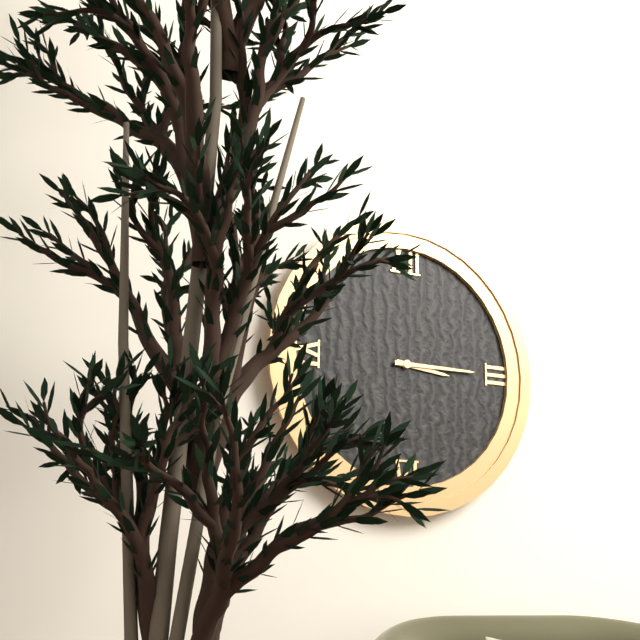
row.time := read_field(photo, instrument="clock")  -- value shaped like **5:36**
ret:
**3:15**
